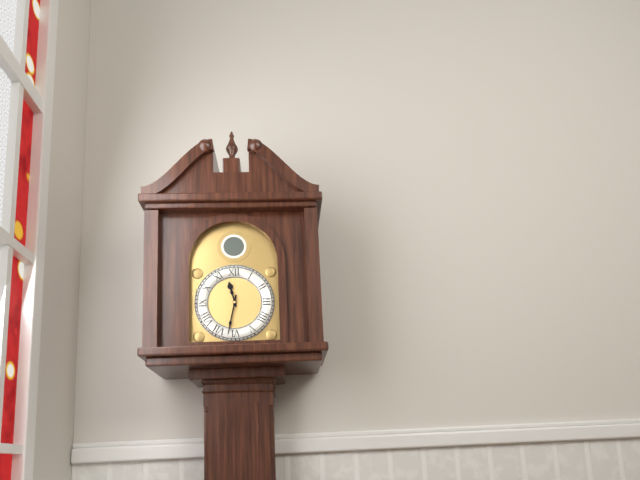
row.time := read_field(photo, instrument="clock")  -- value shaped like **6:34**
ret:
**11:32**
